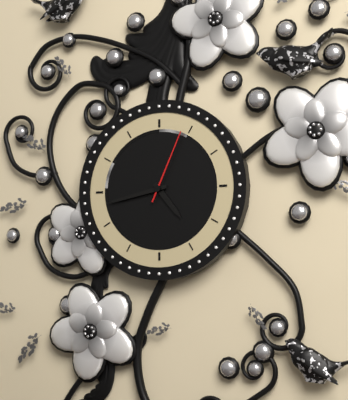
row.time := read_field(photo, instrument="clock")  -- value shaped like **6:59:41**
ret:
**4:43:04**
